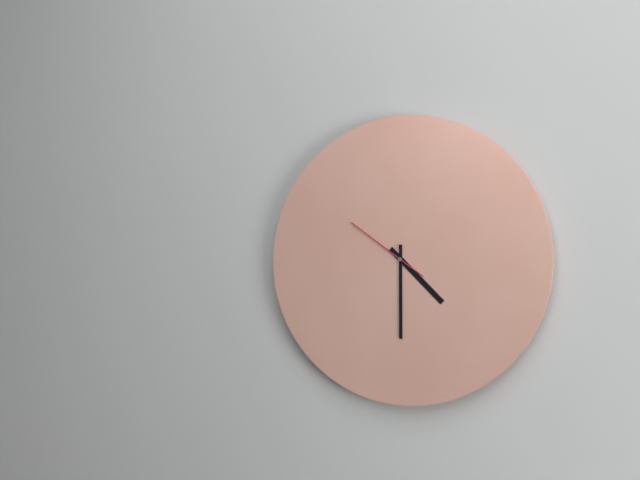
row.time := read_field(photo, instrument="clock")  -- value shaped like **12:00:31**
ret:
**4:30:51**
